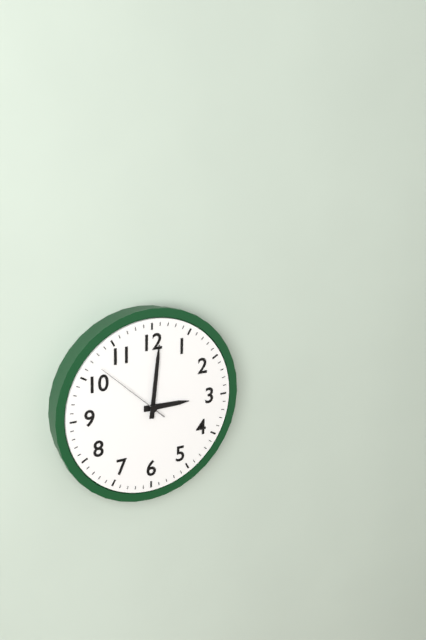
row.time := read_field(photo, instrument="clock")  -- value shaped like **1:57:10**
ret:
**3:01:52**
